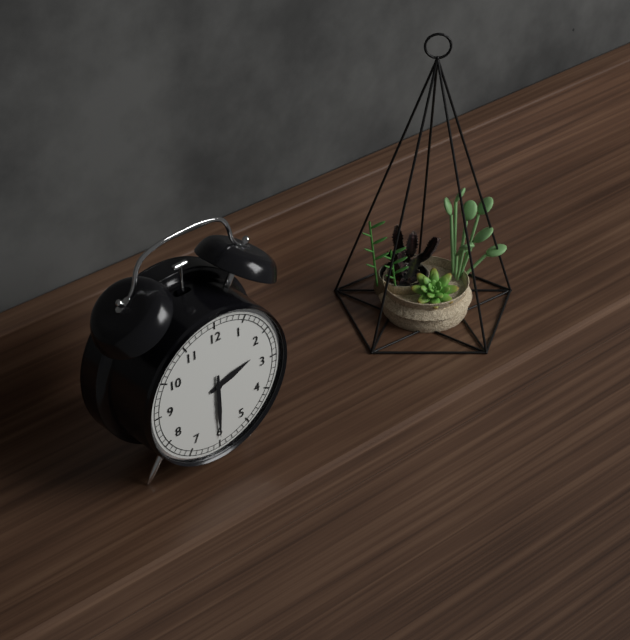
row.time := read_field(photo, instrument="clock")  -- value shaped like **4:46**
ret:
**2:30**
